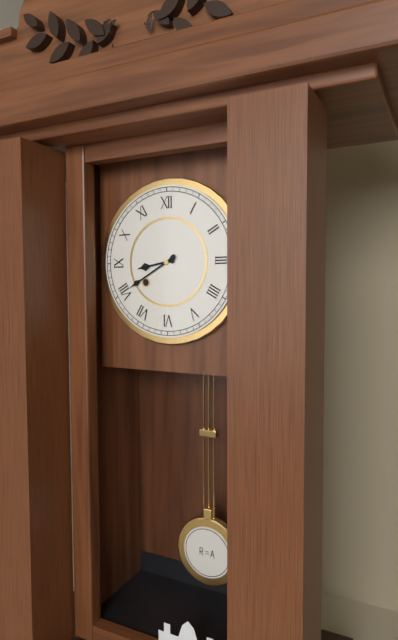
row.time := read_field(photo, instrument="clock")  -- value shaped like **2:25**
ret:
**8:40**
